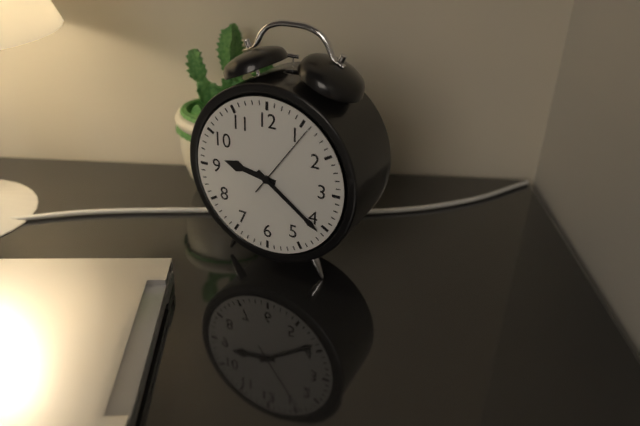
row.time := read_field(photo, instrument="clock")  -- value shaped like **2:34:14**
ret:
**9:21:06**
